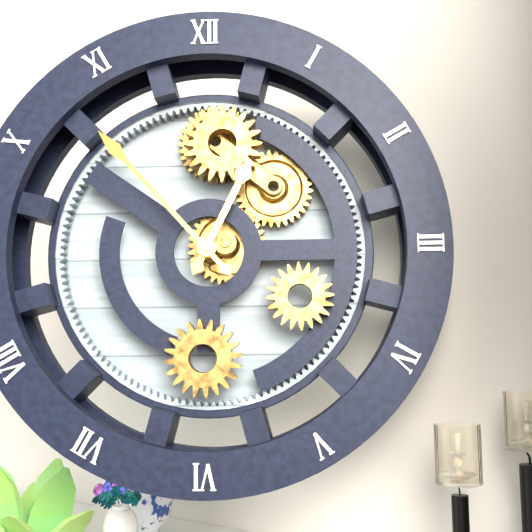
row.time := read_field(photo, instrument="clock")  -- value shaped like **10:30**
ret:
**12:53**
